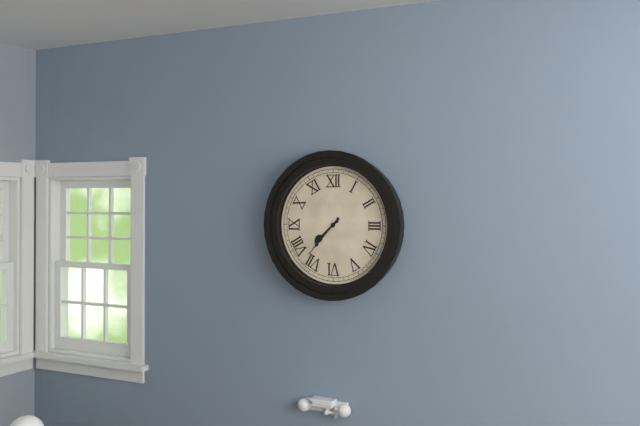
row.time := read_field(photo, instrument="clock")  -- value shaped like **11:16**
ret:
**7:37**
